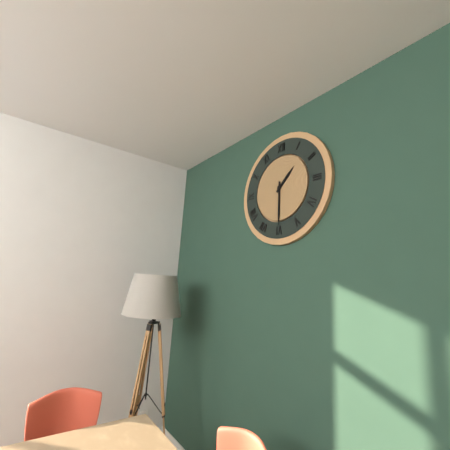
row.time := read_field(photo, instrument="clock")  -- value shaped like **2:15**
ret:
**1:30**
